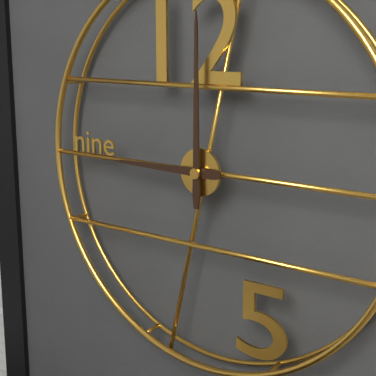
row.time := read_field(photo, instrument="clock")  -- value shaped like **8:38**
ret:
**9:00**
